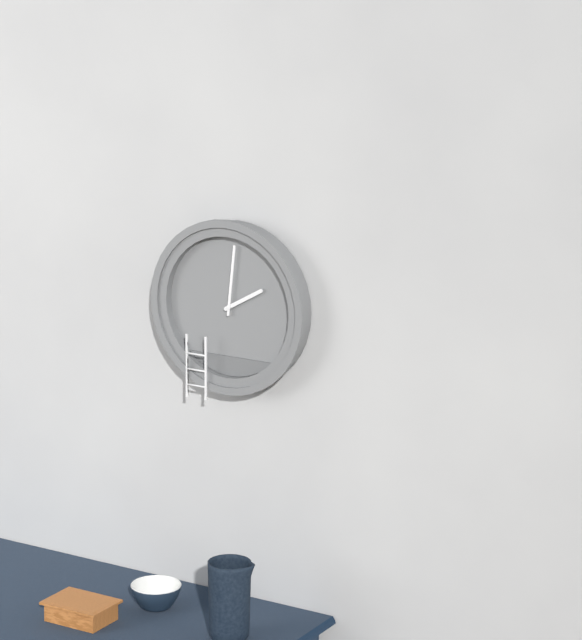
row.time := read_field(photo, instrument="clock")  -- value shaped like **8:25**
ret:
**2:01**
